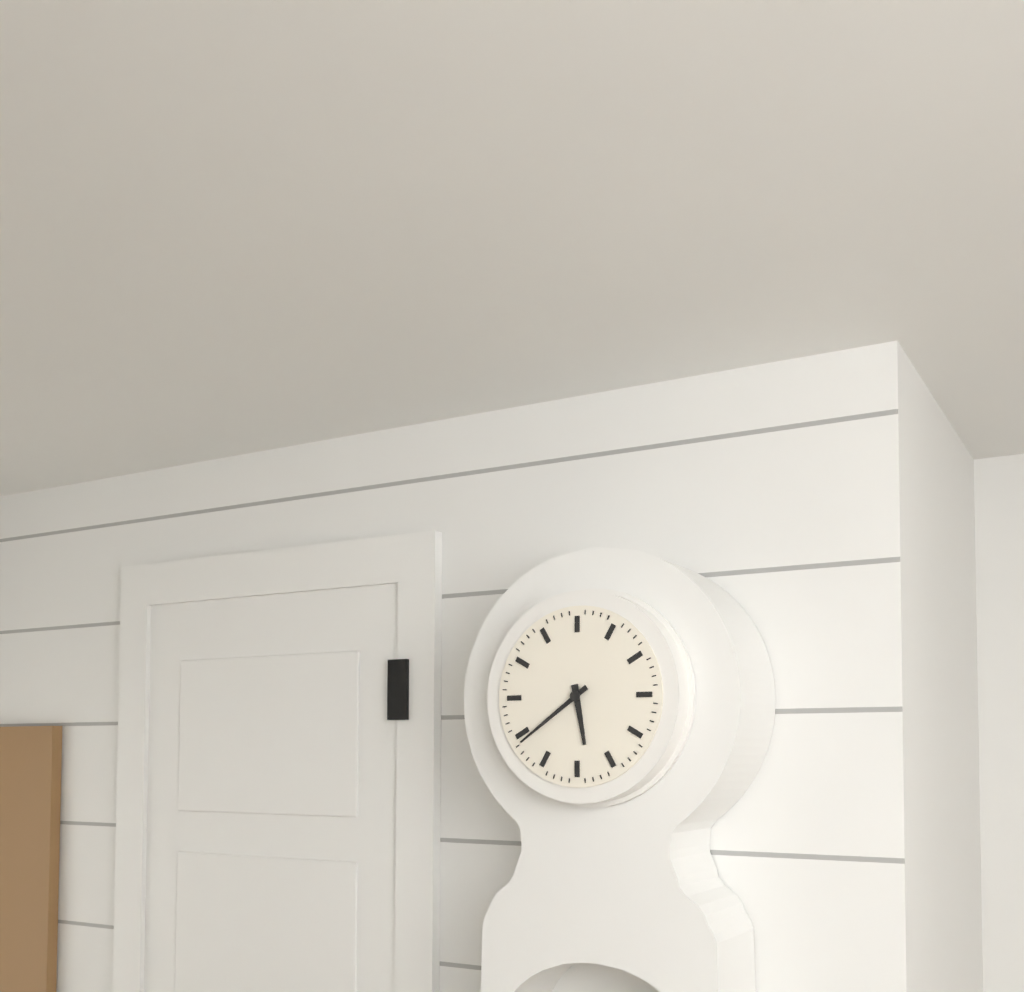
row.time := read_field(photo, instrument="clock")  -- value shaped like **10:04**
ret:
**5:39**
